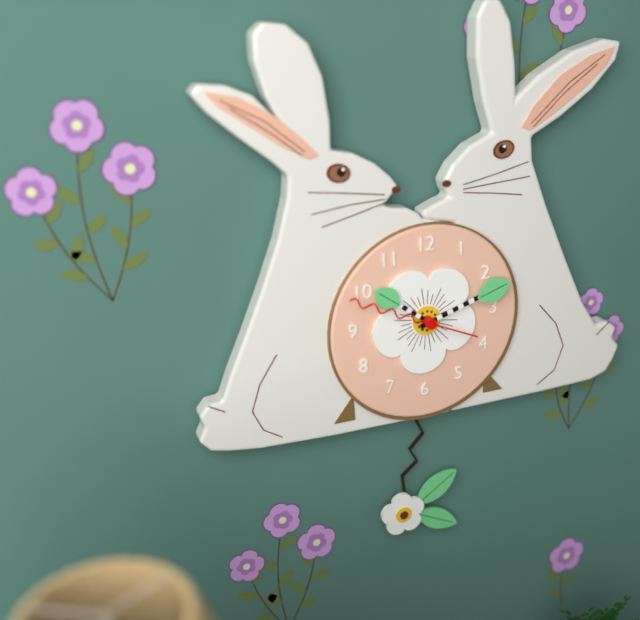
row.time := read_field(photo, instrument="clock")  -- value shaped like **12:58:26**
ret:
**10:12:49**
